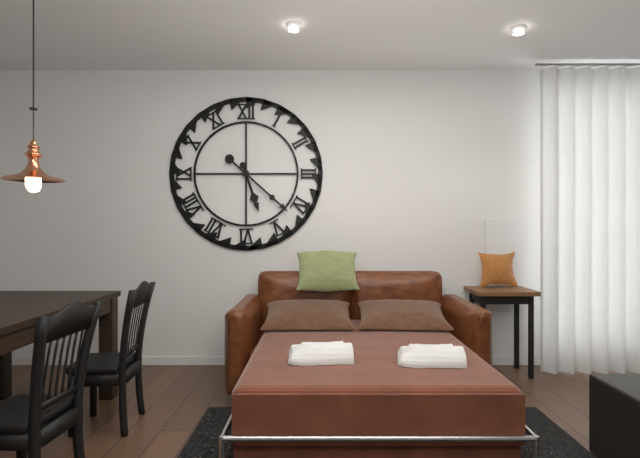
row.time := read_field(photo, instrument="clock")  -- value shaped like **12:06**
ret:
**5:22**
